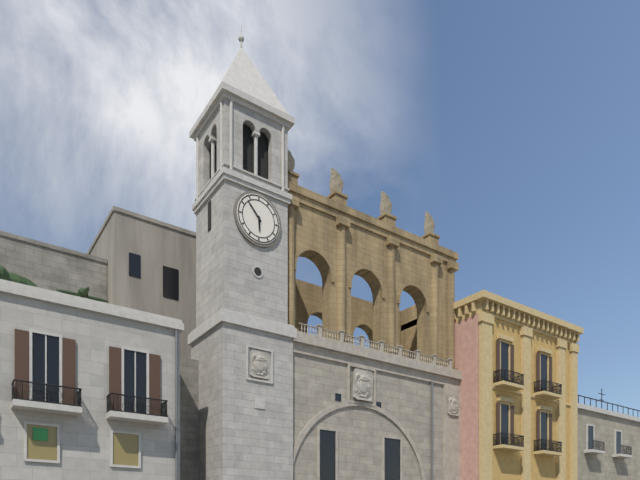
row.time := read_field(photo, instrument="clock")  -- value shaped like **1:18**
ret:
**5:53**
